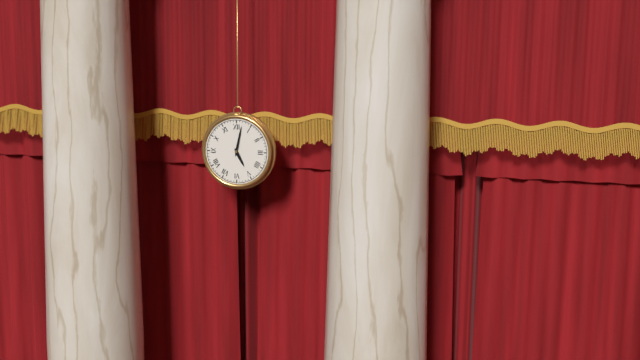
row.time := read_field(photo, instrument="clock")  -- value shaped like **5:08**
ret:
**5:02**
